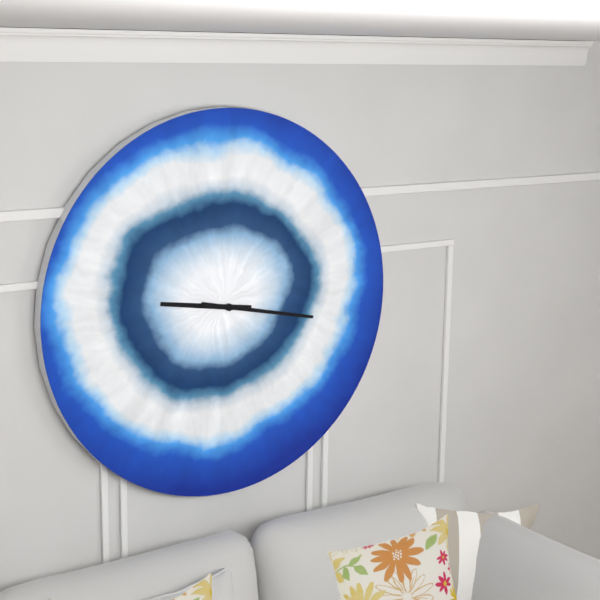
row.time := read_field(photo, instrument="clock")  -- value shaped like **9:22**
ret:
**9:17**
